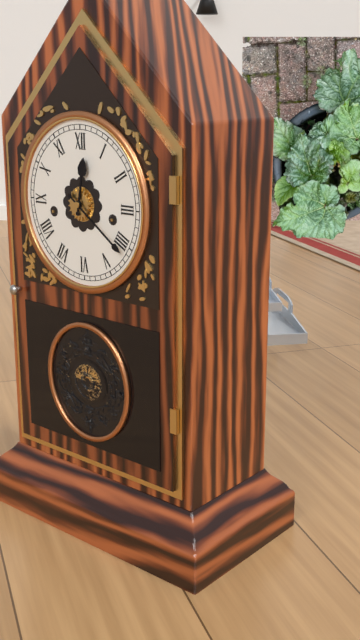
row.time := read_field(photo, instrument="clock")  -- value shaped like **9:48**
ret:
**12:21**
